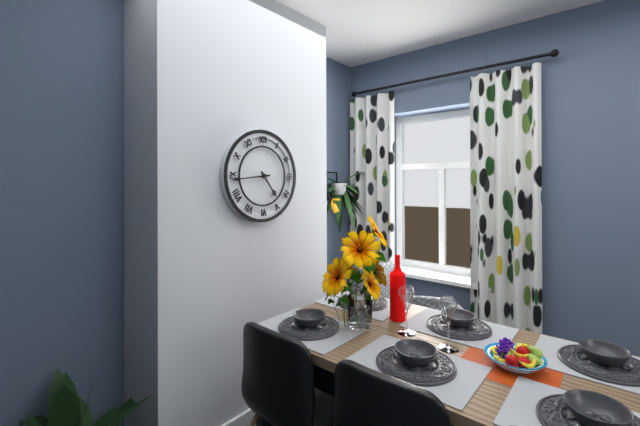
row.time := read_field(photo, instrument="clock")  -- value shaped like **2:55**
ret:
**4:44**
